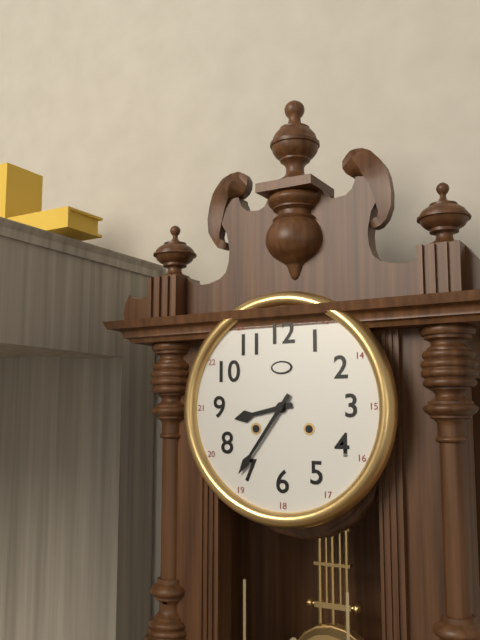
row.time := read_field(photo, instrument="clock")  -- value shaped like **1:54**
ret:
**8:36**
